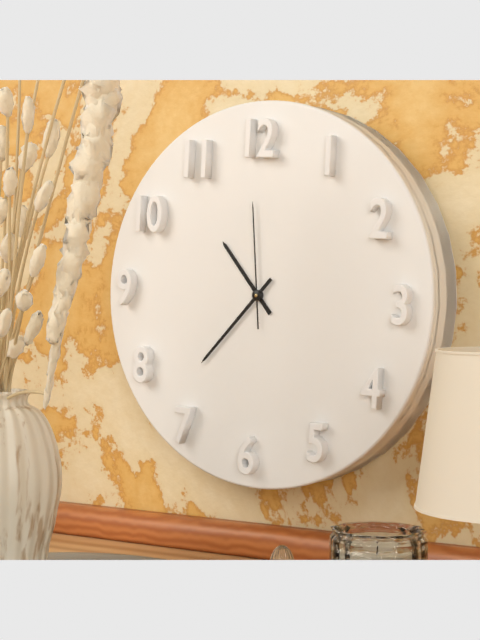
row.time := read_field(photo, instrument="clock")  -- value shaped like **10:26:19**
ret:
**10:37:59**
